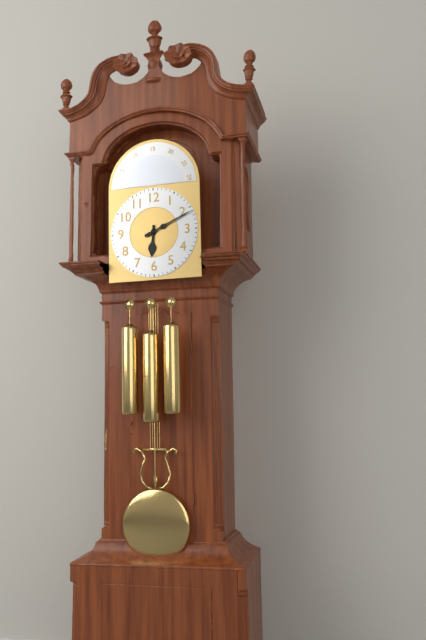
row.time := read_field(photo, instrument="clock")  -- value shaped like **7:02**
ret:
**6:11**
